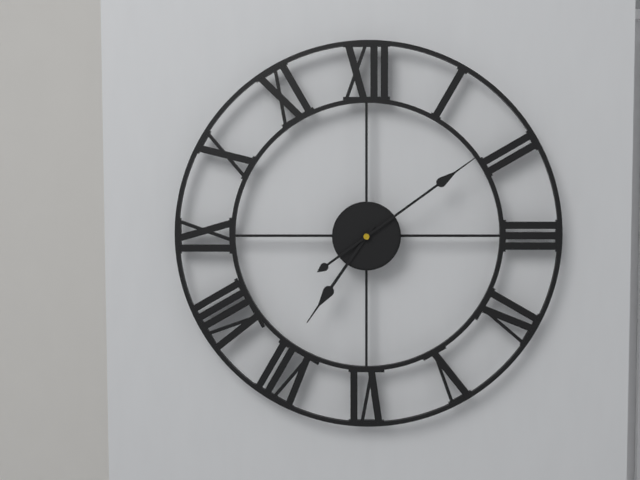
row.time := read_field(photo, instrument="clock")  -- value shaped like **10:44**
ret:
**7:09**
